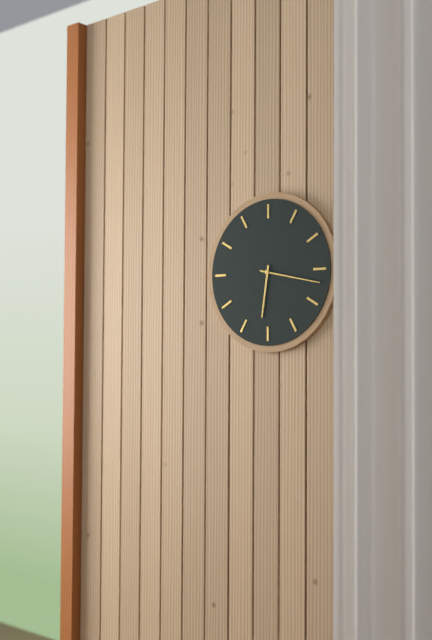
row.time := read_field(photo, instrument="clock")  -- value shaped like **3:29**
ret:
**6:17**
